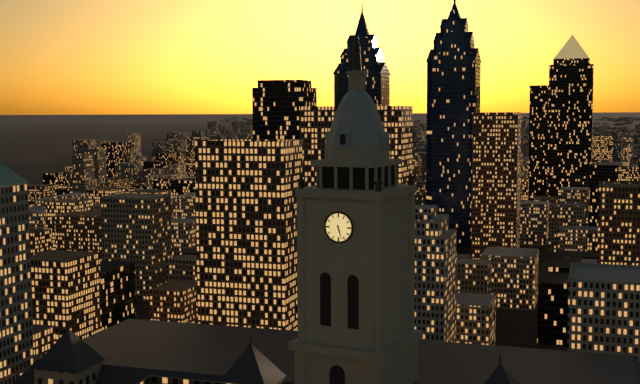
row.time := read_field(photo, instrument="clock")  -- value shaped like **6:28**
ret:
**5:27**
